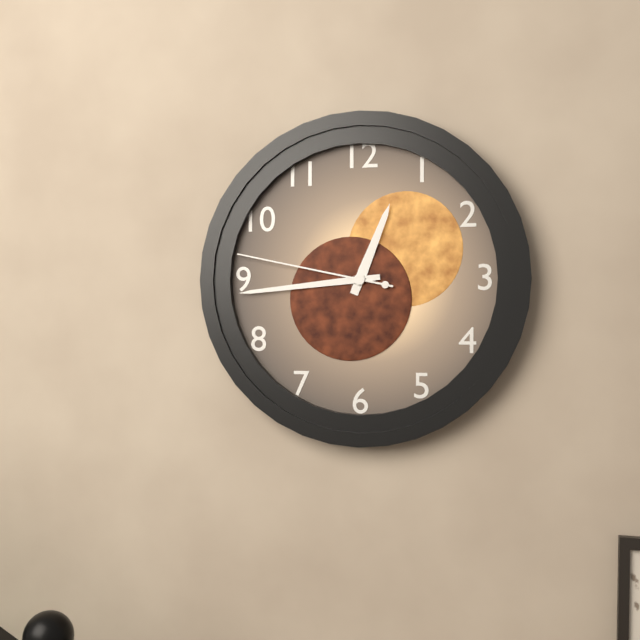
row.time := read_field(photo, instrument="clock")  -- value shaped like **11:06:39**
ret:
**12:44:47**
